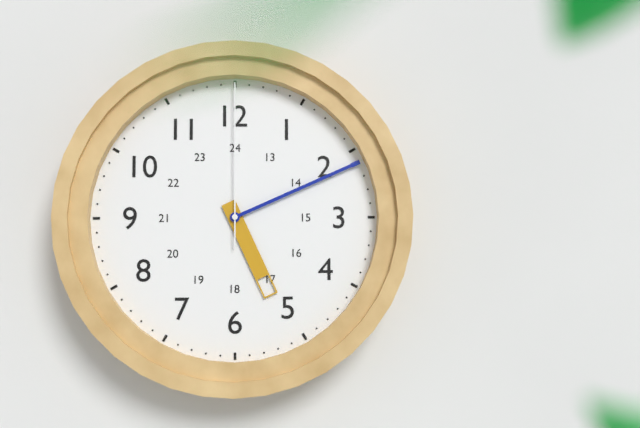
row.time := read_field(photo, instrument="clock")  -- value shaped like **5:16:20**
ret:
**5:11:00**
